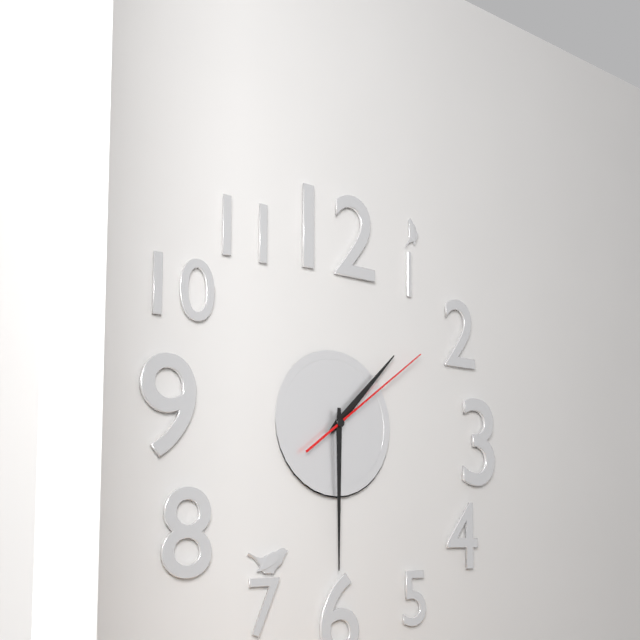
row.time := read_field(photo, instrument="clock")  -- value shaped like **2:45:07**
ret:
**1:30:09**
